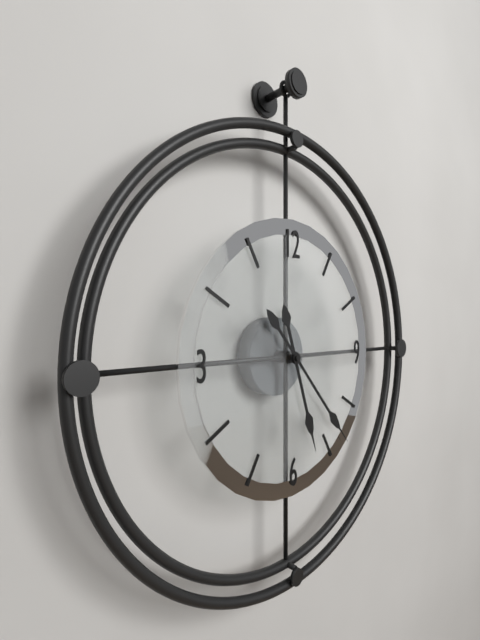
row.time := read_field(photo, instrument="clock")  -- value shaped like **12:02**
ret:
**5:23**
